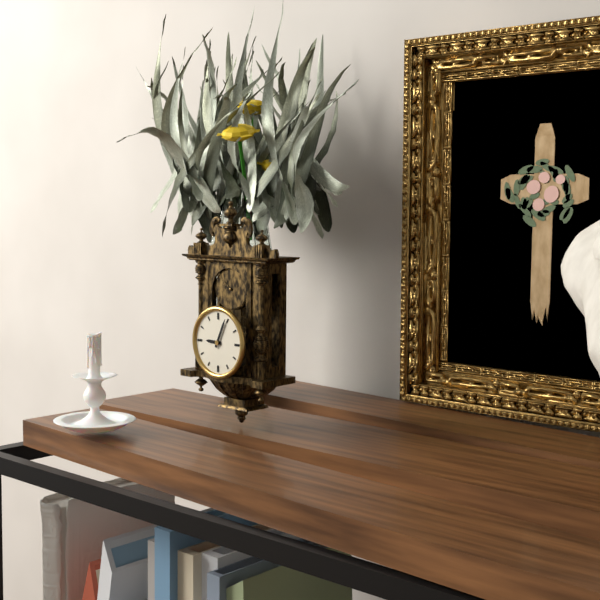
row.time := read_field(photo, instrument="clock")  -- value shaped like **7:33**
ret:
**9:04**
